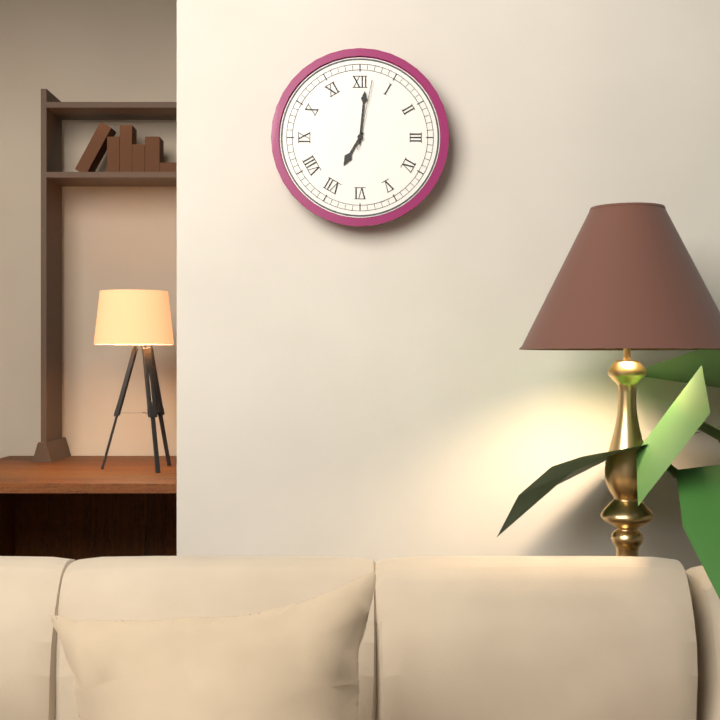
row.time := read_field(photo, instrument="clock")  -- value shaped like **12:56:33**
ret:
**7:01:02**
